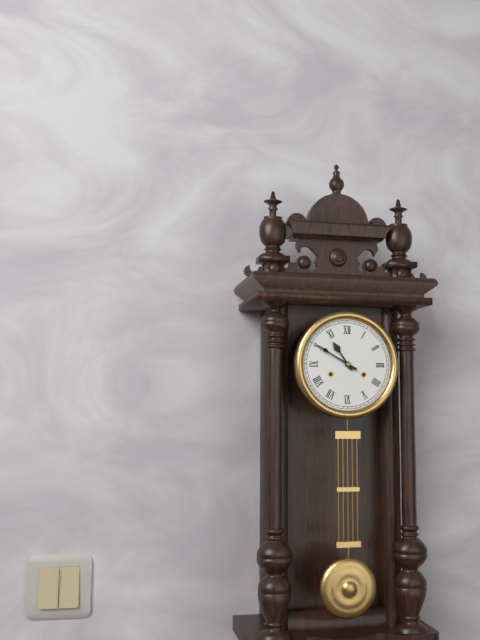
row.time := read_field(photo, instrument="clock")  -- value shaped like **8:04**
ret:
**10:50**
